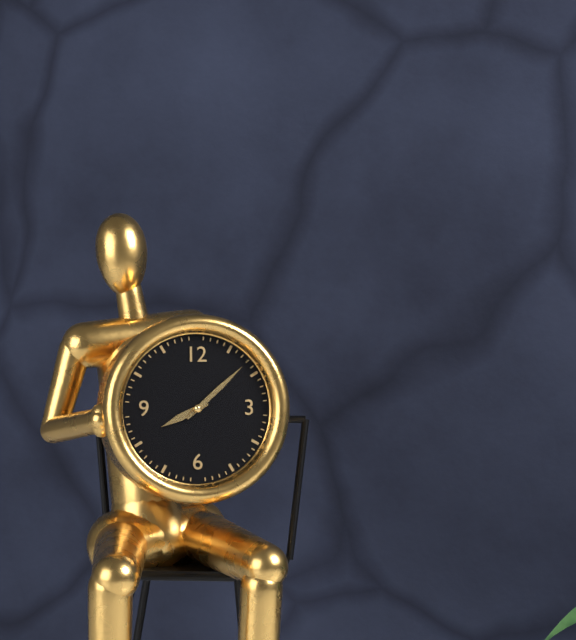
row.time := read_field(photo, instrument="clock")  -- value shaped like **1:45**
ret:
**8:08**
